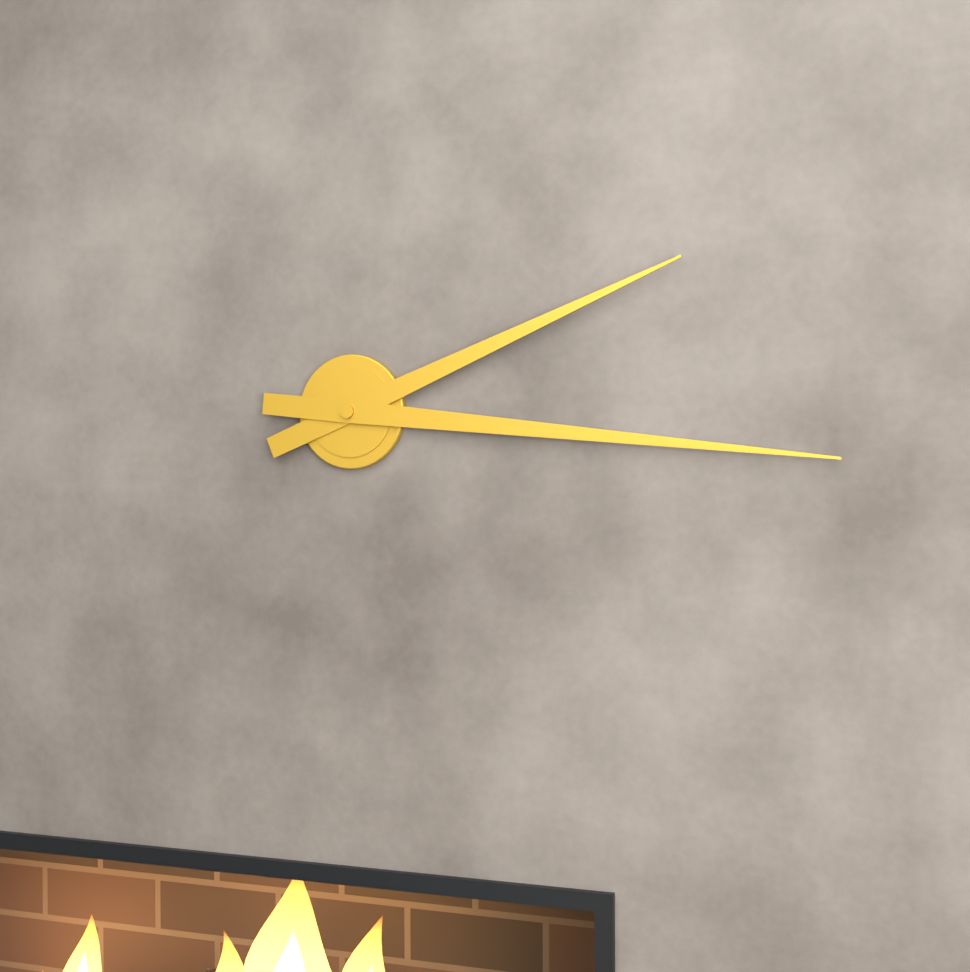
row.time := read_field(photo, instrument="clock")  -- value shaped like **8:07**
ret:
**2:16**
